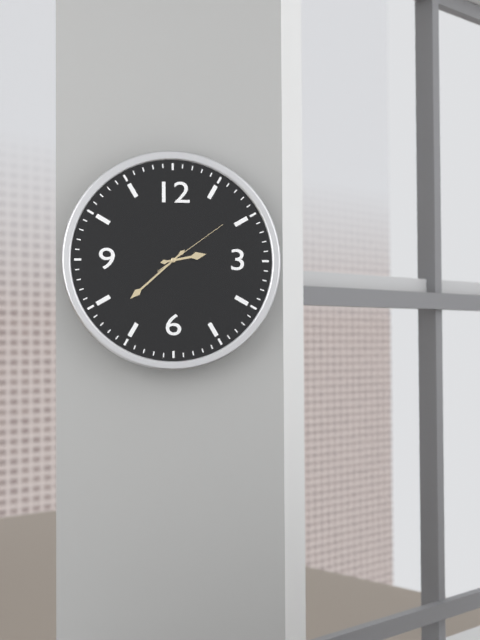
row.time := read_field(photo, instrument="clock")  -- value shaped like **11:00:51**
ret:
**2:38:09**
